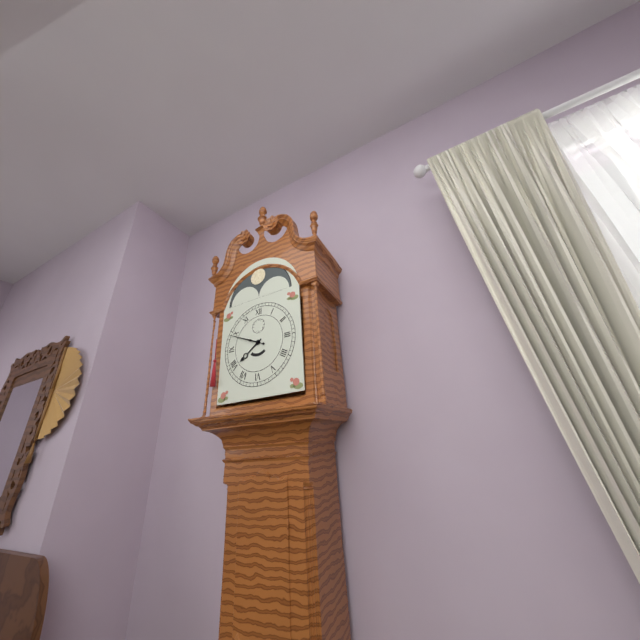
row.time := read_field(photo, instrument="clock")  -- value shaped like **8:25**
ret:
**7:49**
